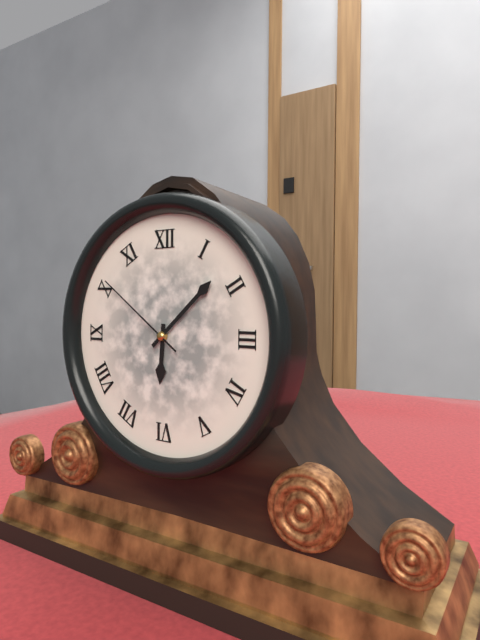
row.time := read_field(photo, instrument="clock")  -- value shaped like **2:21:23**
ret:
**6:08:51**
